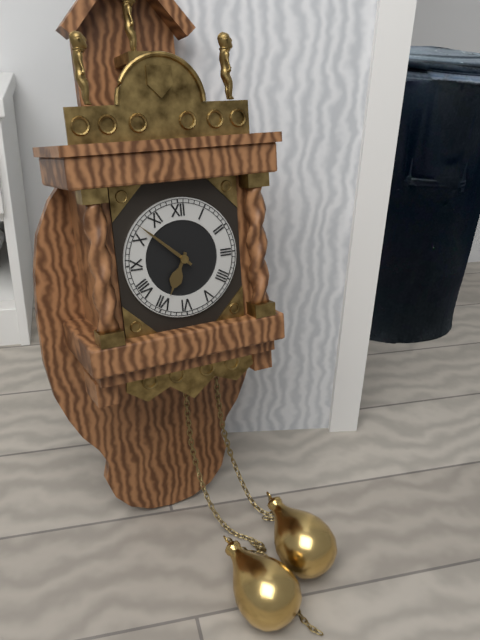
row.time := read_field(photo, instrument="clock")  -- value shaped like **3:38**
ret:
**6:52**
